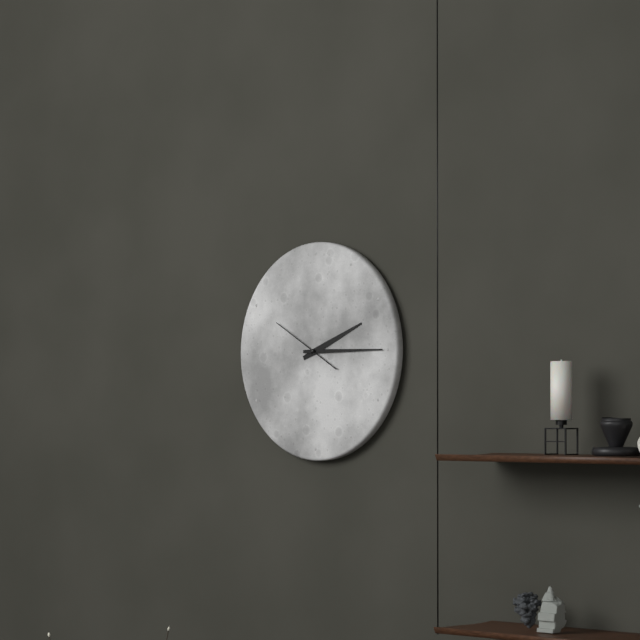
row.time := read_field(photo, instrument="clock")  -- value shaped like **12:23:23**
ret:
**2:15:50**
